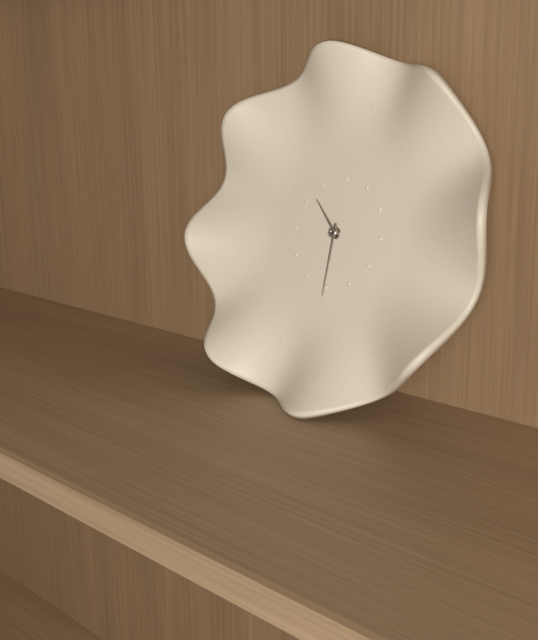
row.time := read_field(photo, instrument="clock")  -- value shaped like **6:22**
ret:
**10:30**
